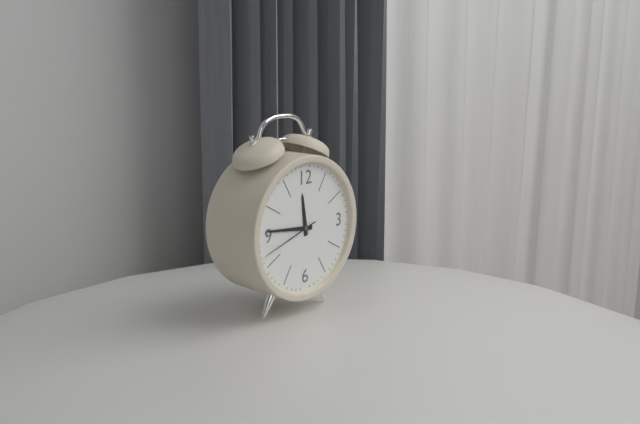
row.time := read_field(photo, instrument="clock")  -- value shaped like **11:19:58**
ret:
**11:46:42**
